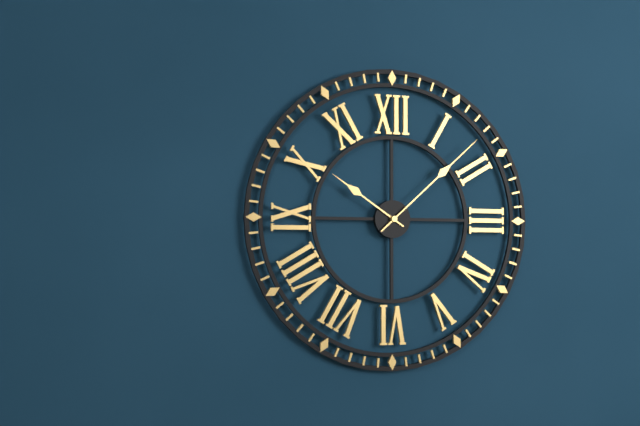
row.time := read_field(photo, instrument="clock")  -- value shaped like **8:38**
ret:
**10:08**
